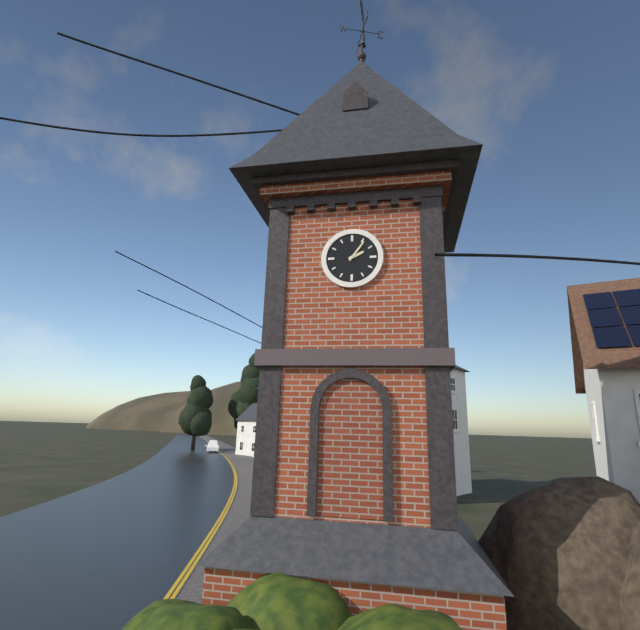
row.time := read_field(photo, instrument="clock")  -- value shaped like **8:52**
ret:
**2:06**
